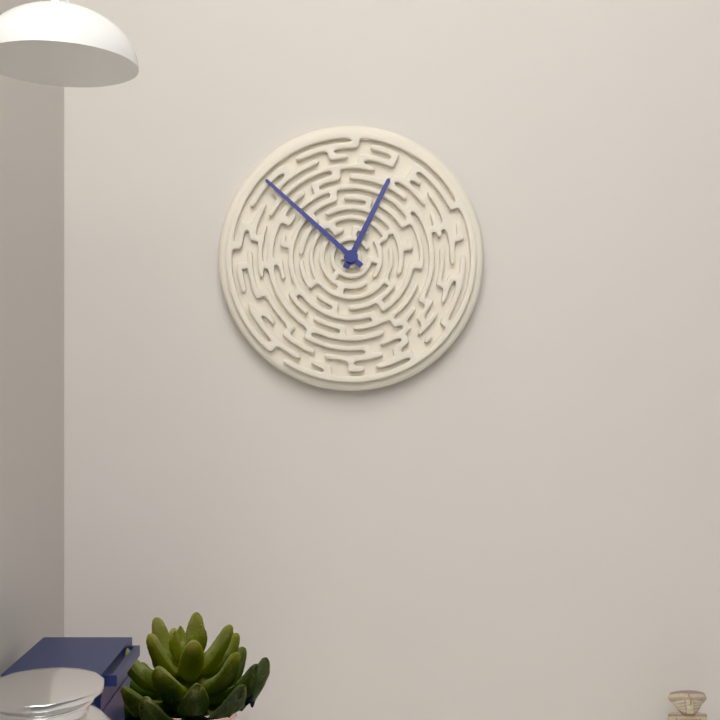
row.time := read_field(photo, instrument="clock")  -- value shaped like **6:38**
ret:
**12:52**
